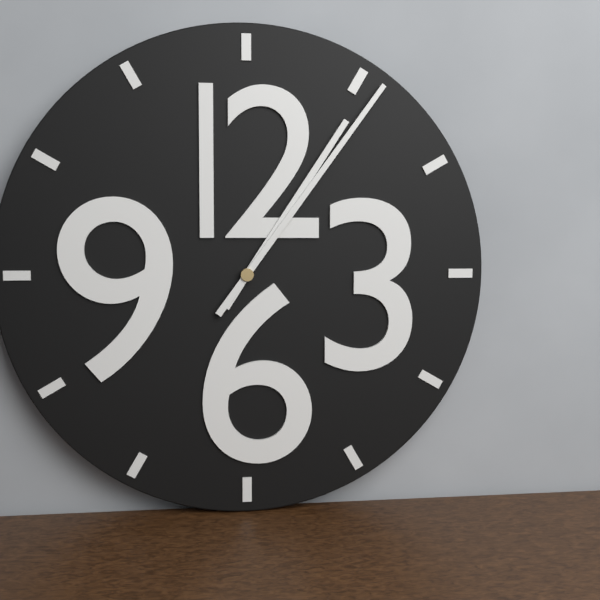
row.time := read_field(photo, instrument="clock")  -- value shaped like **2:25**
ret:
**1:06**
